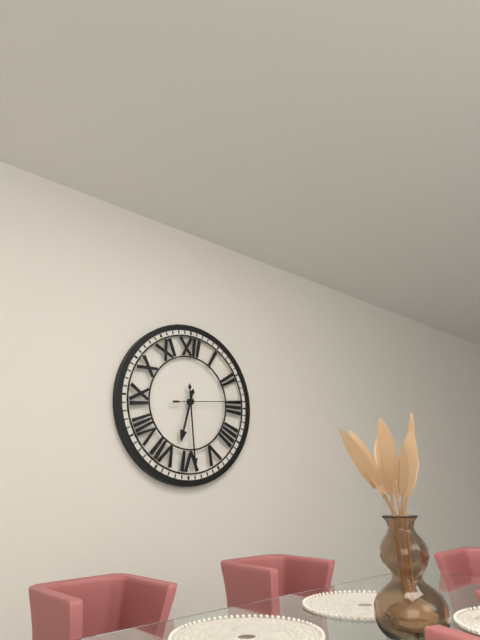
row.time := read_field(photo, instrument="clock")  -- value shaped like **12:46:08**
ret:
**6:29:14**
